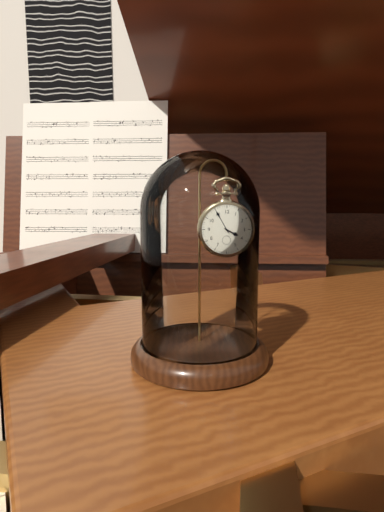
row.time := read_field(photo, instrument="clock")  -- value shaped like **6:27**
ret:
**3:55**
